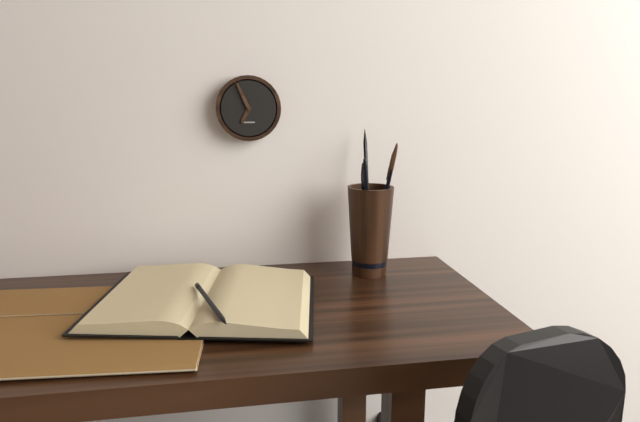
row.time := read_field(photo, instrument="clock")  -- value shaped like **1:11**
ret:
**6:56**
